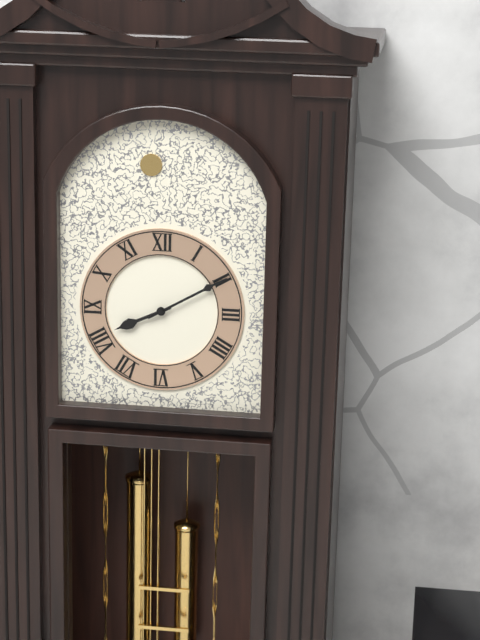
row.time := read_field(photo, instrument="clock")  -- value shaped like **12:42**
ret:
**8:10**
